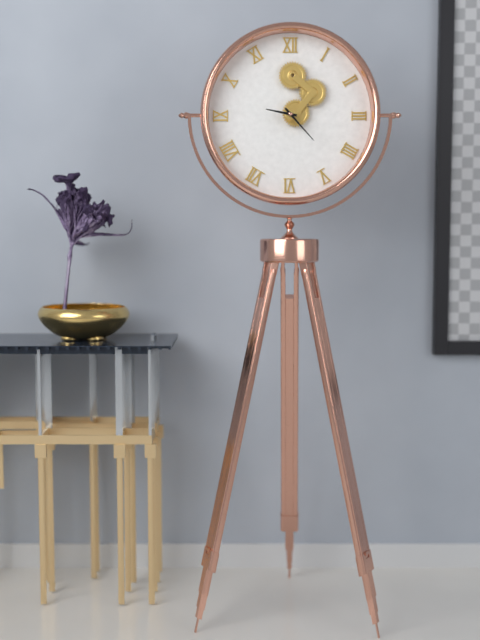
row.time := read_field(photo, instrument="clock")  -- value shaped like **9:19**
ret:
**9:23**
